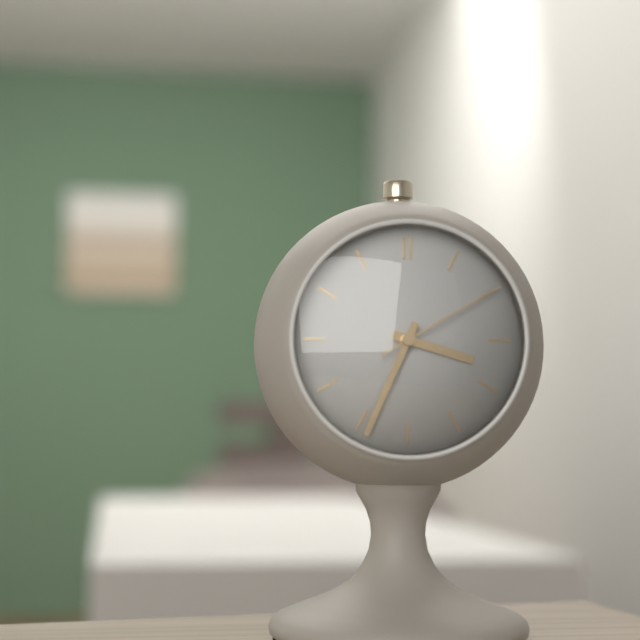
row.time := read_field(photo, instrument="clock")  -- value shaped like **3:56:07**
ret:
**3:34:10**
